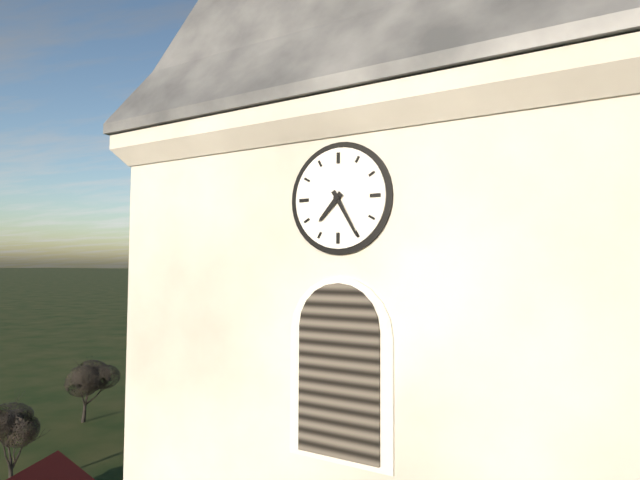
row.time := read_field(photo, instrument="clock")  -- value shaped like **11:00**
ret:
**7:25**
